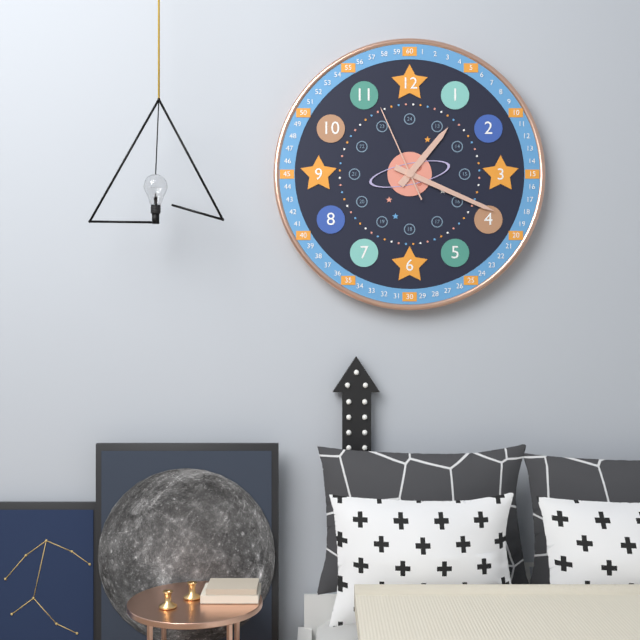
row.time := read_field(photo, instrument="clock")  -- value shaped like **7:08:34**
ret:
**1:19:56**
